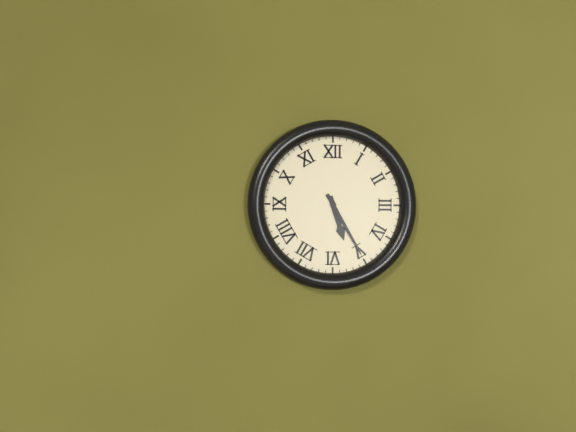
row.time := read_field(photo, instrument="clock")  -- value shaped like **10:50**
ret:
**5:25**
